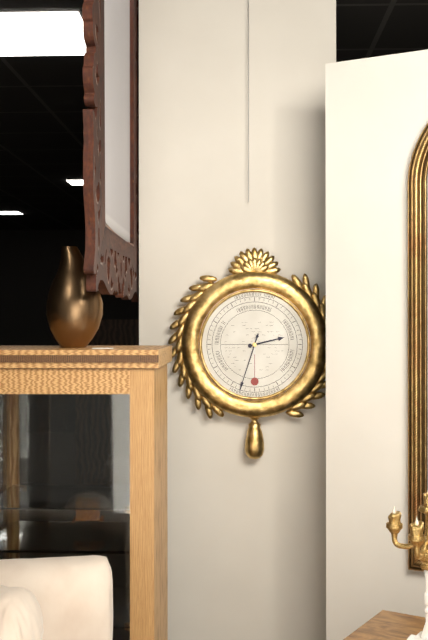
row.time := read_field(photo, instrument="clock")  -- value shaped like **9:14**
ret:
**2:33**
